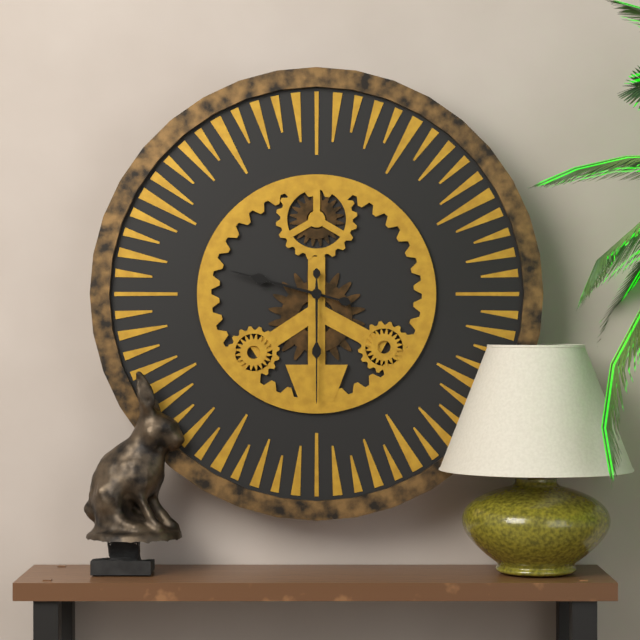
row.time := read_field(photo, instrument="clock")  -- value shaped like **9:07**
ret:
**9:30**
